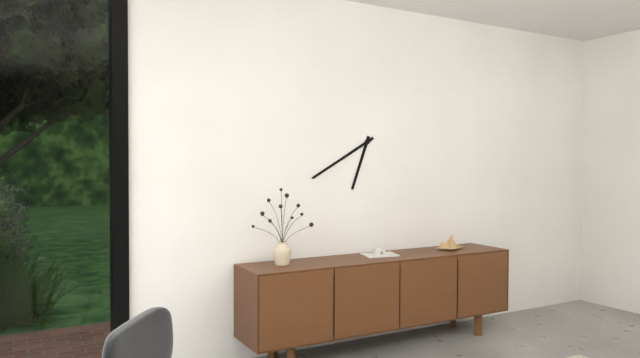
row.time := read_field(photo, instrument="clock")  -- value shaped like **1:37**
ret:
**6:40**
